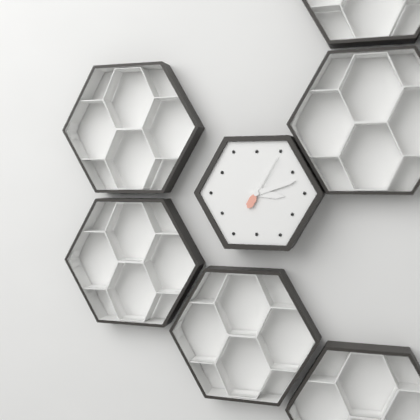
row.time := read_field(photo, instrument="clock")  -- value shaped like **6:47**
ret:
**3:12**
